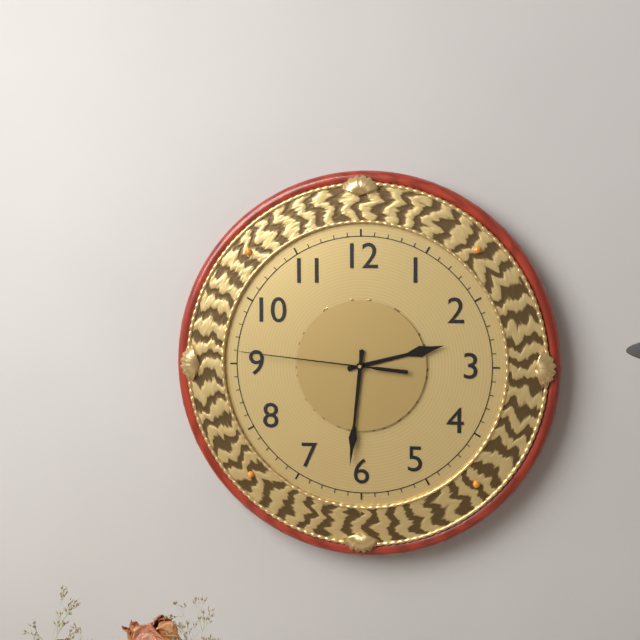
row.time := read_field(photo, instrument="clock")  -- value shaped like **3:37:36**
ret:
**2:31:46**
